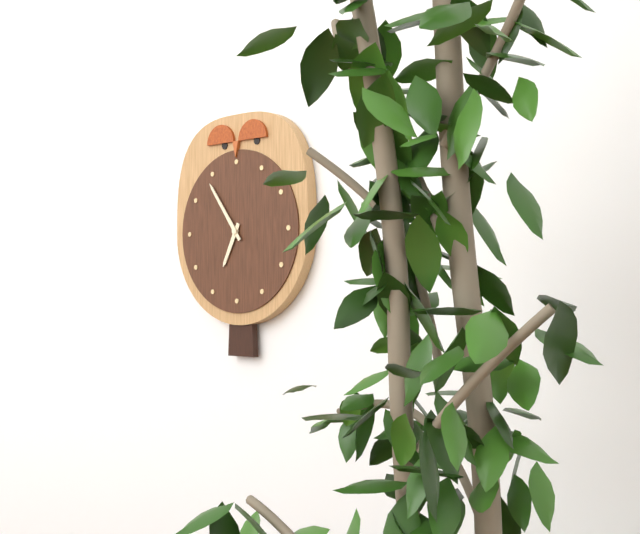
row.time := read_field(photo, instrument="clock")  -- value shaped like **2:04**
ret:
**6:54**
